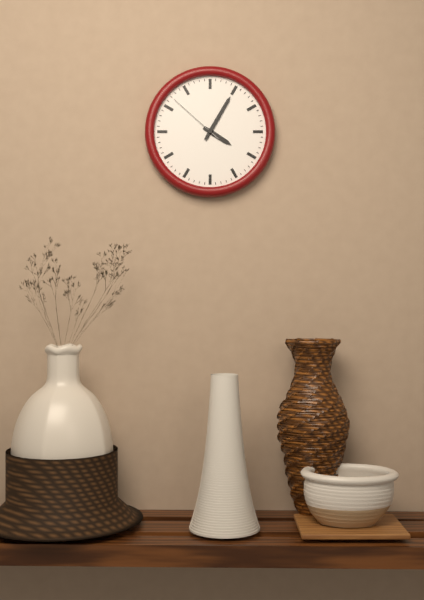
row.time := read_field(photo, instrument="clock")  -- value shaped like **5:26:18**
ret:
**4:05:52**
